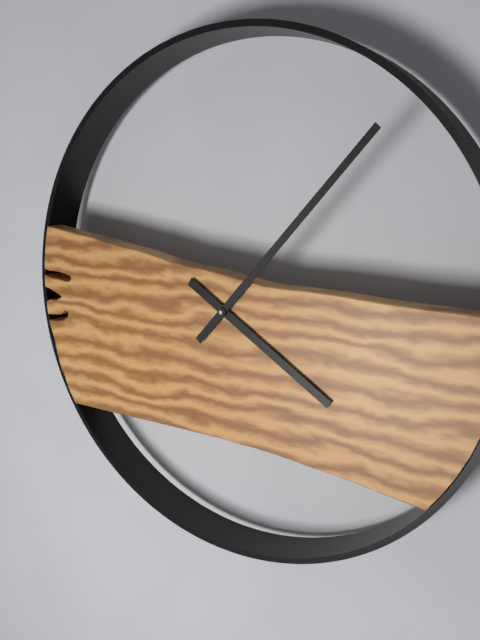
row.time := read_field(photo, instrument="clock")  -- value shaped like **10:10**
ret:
**4:07**
